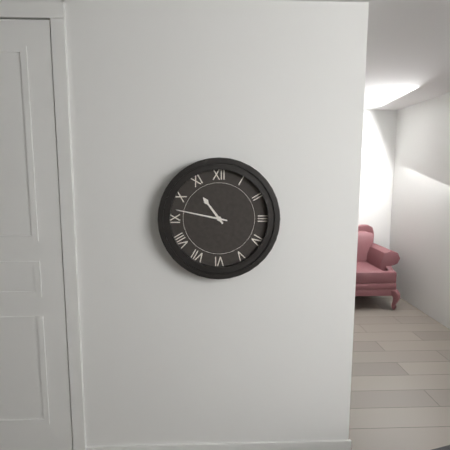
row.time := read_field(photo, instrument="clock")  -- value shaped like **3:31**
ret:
**10:47**
